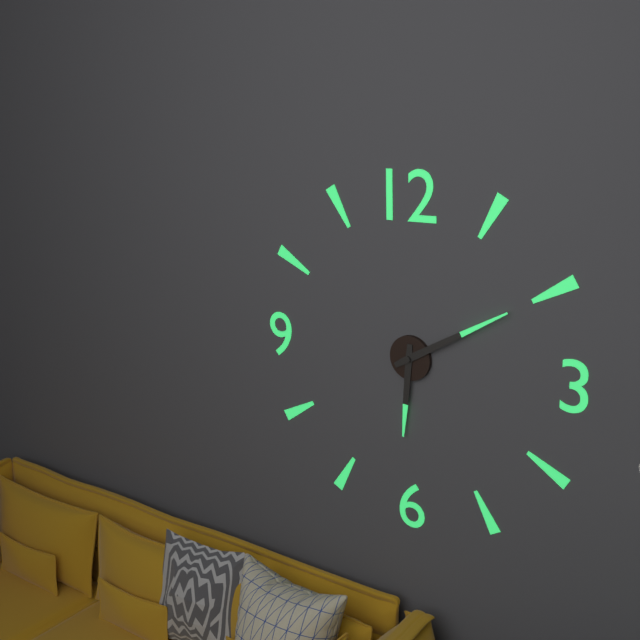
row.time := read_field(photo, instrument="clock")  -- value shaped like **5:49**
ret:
**6:10**
